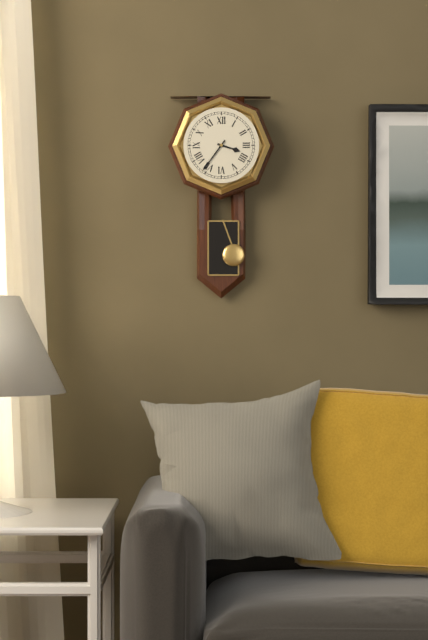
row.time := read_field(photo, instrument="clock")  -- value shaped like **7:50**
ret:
**3:36**
